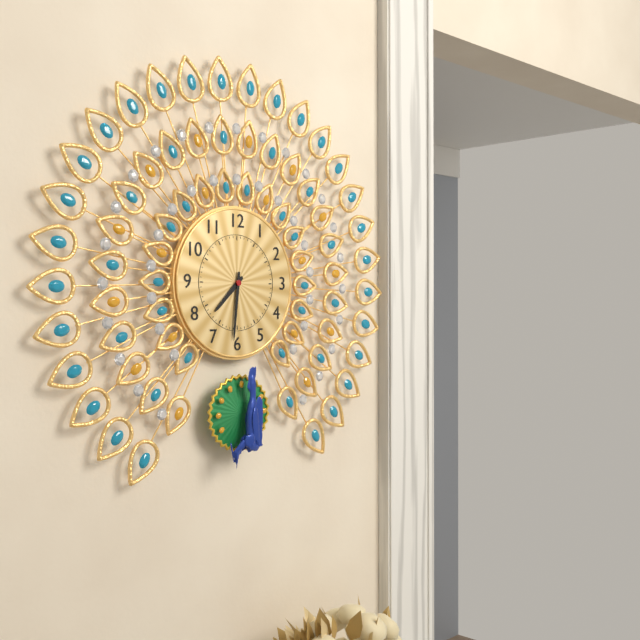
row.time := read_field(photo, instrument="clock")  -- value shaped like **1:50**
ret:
**7:31**
